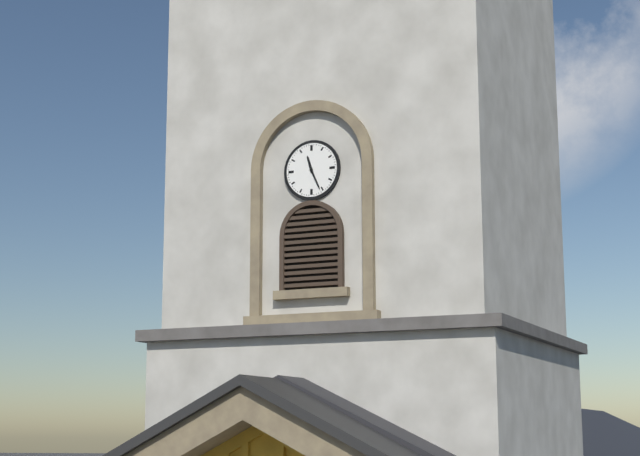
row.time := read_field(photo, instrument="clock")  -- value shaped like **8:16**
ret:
**11:26**
